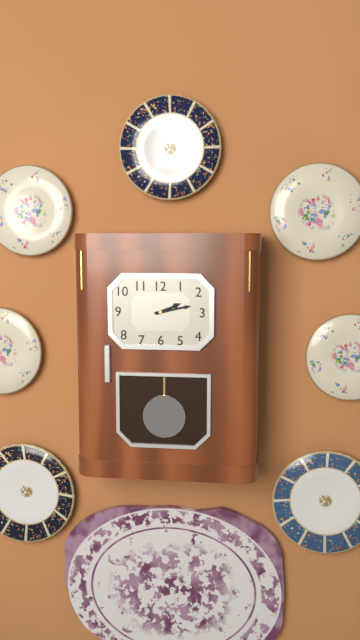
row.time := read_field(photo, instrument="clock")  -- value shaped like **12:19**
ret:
**2:13**
